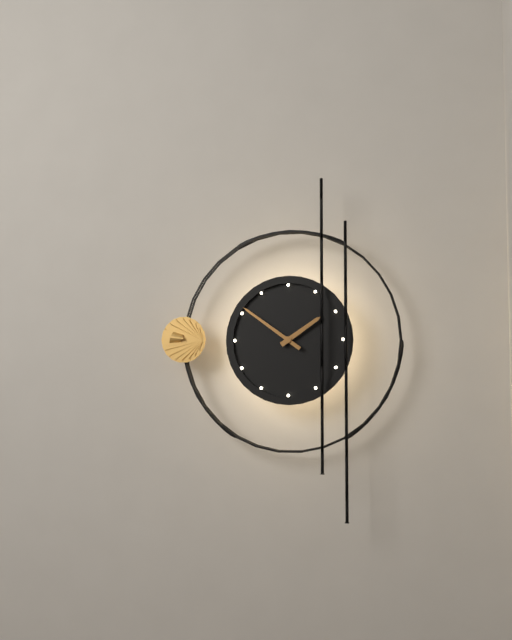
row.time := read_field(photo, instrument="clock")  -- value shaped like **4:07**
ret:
**1:51**
